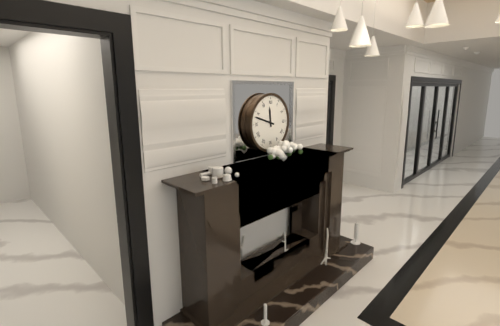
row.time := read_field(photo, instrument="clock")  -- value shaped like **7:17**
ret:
**11:48**
